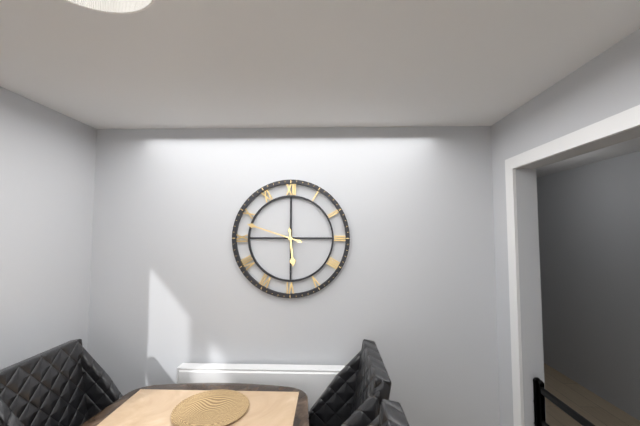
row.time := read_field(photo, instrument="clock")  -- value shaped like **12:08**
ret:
**5:48**
